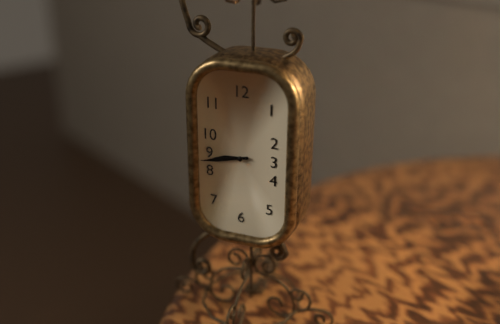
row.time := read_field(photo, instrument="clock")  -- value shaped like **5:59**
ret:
**8:43**
